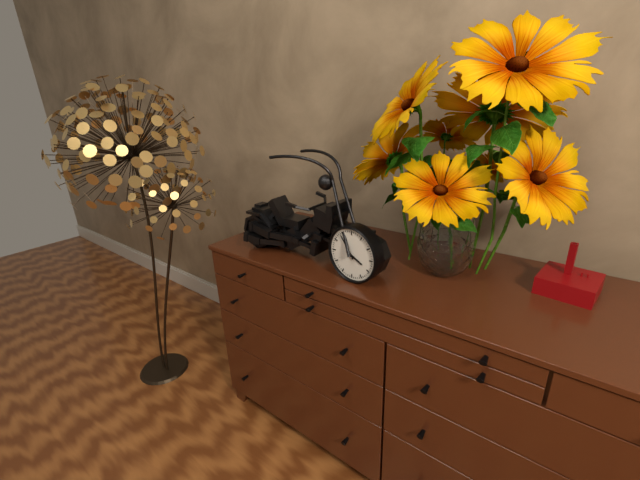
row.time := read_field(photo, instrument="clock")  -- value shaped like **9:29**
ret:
**3:54**
